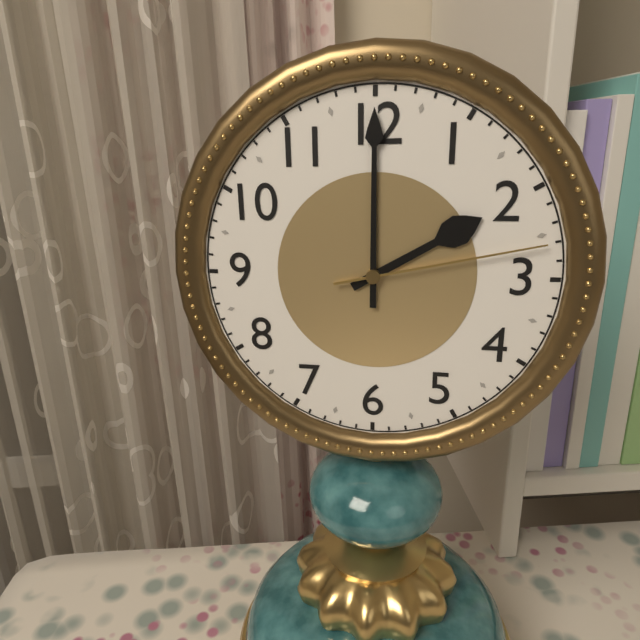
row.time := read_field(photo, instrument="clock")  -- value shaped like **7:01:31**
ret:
**2:00:13**
